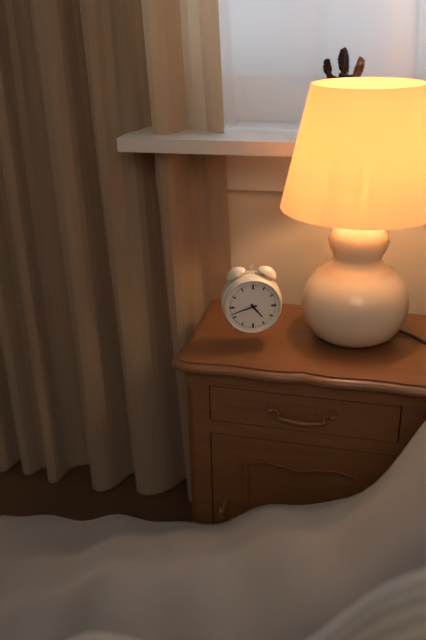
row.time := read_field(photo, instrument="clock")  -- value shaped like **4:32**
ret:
**4:42**
